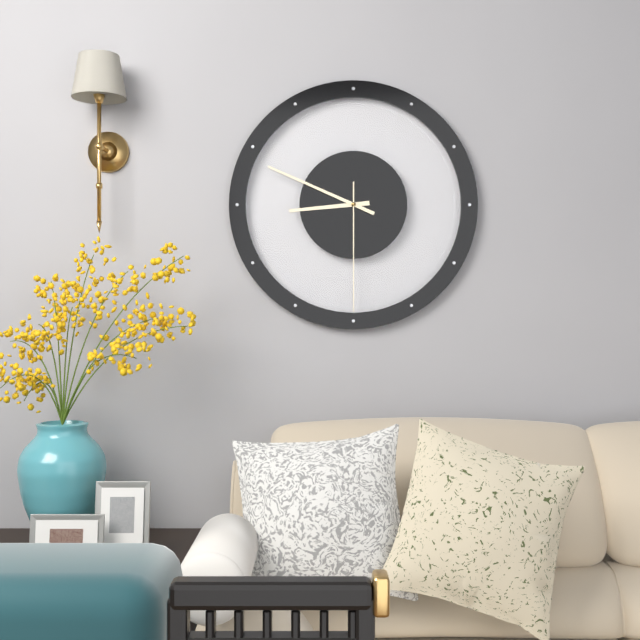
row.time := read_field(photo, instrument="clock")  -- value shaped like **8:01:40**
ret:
**8:49:30**
